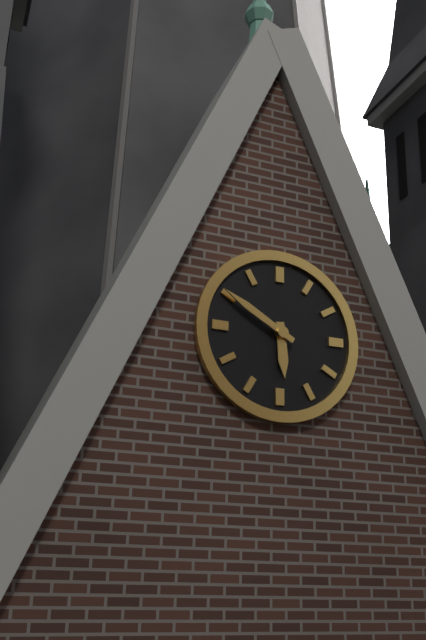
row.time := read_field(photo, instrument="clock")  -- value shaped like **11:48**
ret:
**5:50**
